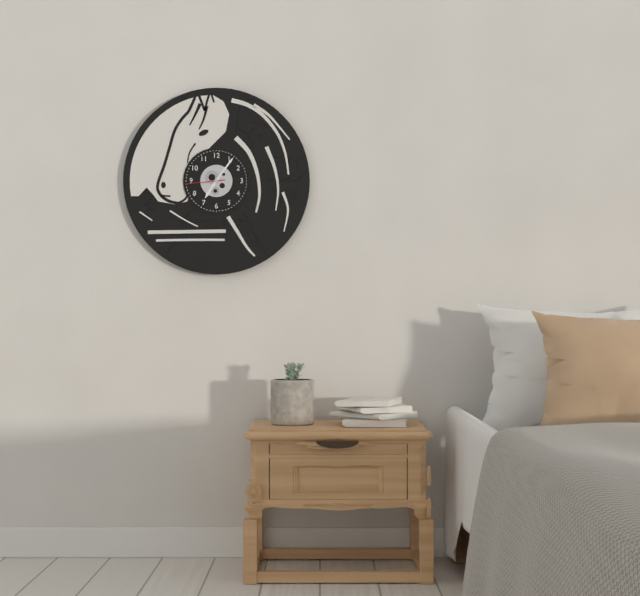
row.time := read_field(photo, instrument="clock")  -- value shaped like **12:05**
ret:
**7:06**
